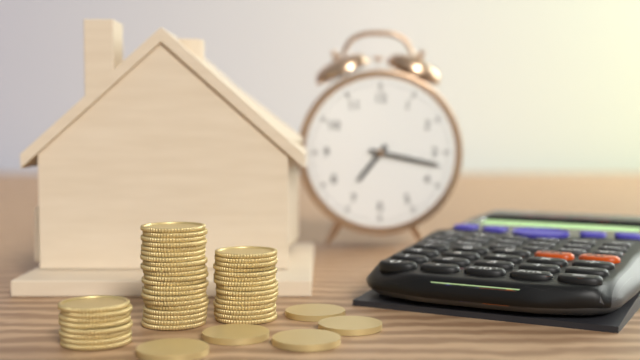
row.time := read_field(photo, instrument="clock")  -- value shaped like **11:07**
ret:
**7:17**
